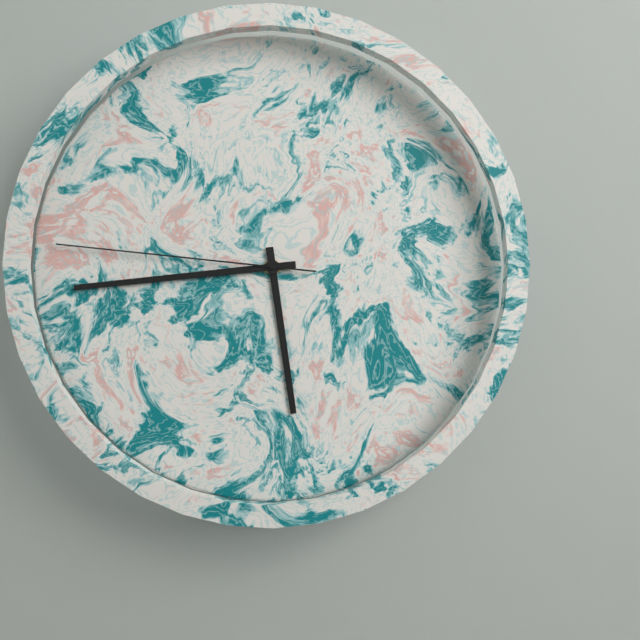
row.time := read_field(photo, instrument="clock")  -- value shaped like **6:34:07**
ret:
**5:44:46**
